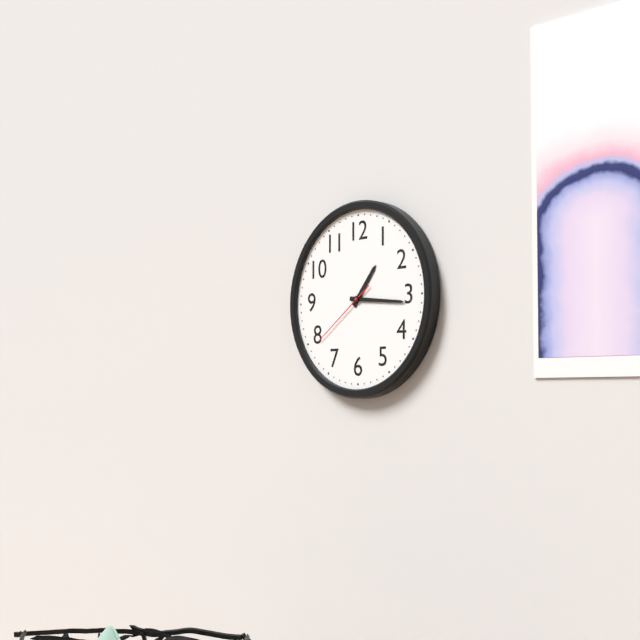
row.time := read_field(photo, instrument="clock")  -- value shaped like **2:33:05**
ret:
**1:16:39**
